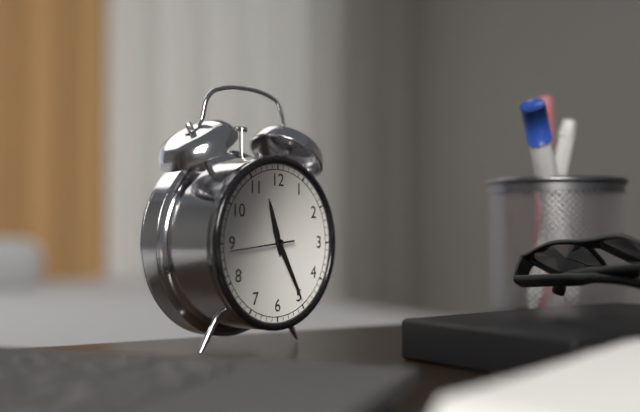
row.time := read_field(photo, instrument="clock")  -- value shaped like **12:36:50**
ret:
**11:25:44**
